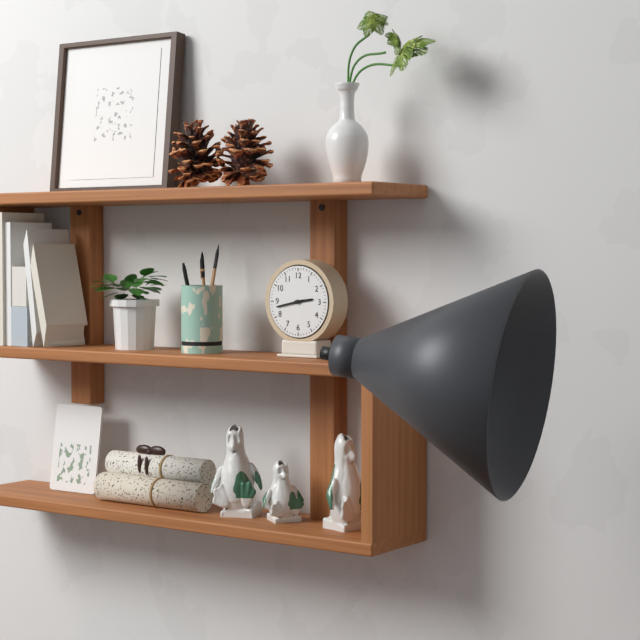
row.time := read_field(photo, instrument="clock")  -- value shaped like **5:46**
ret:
**2:43**
